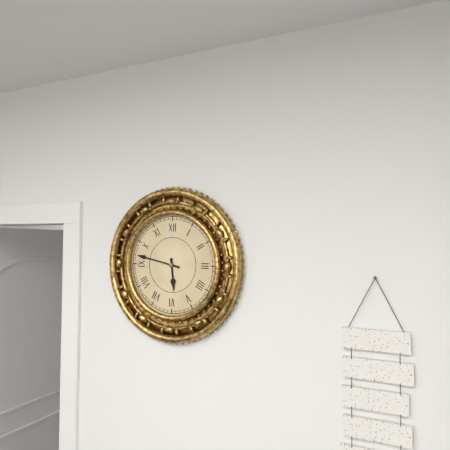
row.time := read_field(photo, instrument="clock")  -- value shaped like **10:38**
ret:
**5:47**
